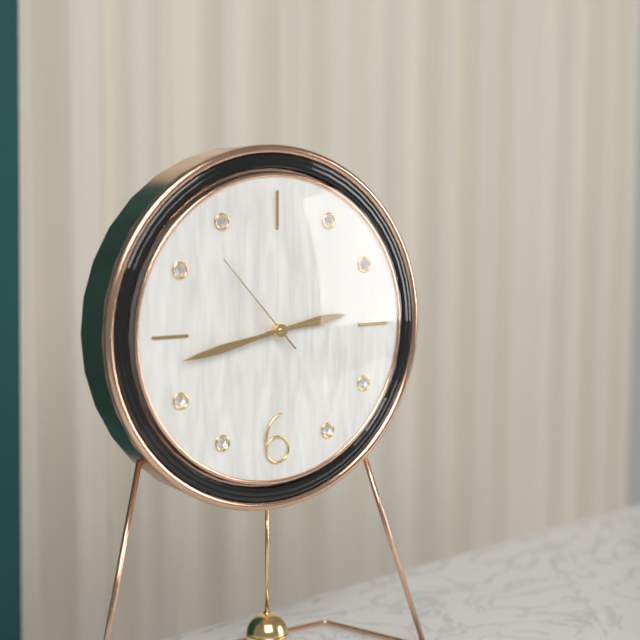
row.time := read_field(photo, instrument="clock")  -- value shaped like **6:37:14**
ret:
**2:43:53**
